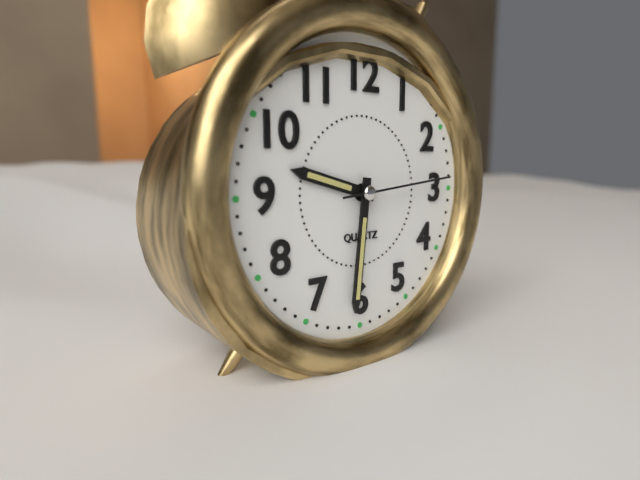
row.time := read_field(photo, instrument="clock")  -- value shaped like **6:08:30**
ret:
**9:31:14**
